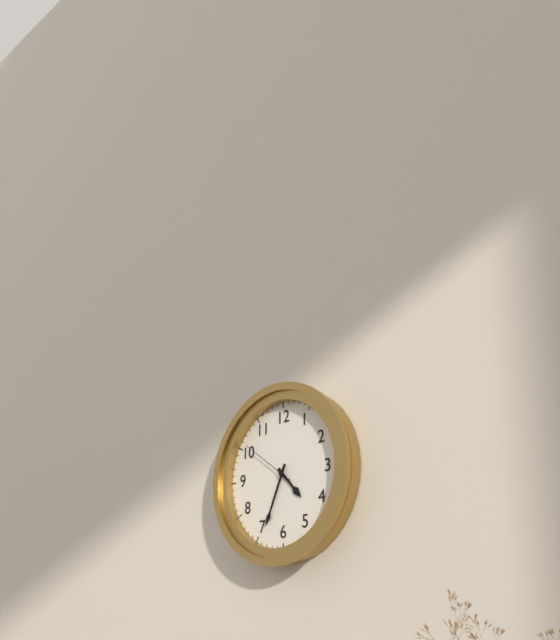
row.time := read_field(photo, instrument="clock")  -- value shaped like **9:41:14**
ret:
**4:34:51**
